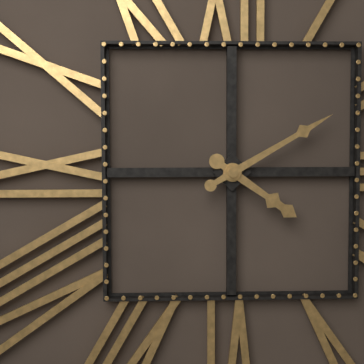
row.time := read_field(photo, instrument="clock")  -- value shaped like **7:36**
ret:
**4:10**
